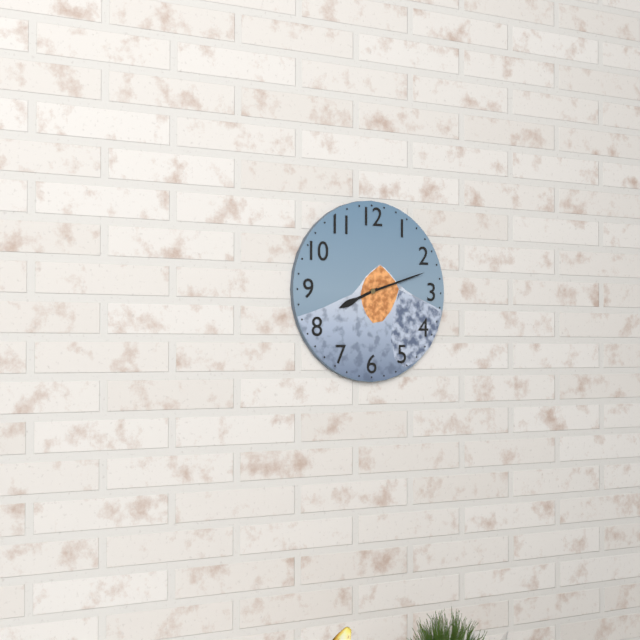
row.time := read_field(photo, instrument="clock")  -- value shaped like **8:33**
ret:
**8:12**
